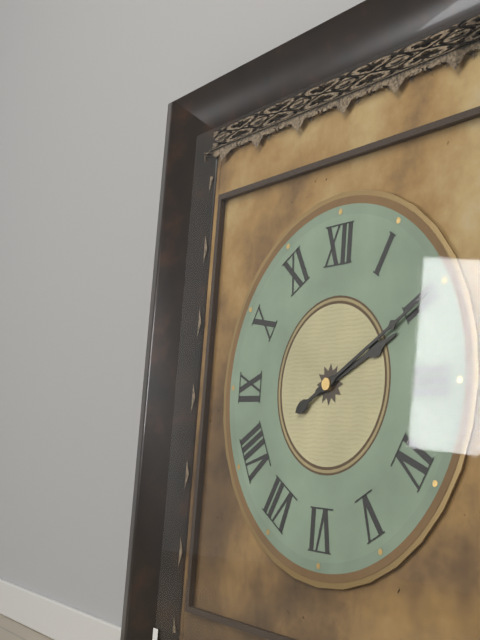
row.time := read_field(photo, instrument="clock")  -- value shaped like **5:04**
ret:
**2:10**
